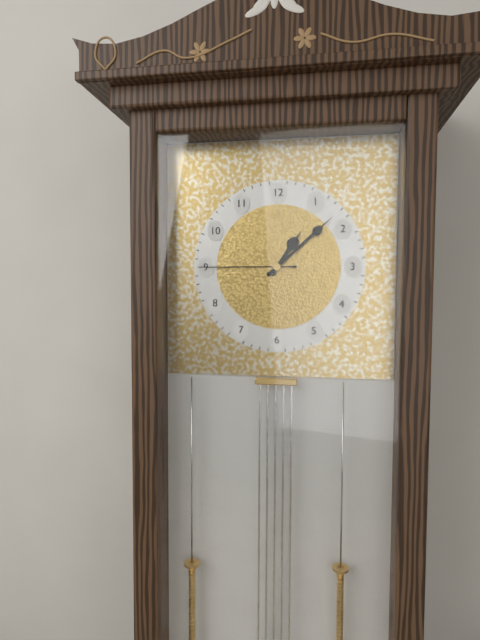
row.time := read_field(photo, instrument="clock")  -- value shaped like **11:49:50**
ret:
**1:08:45**
